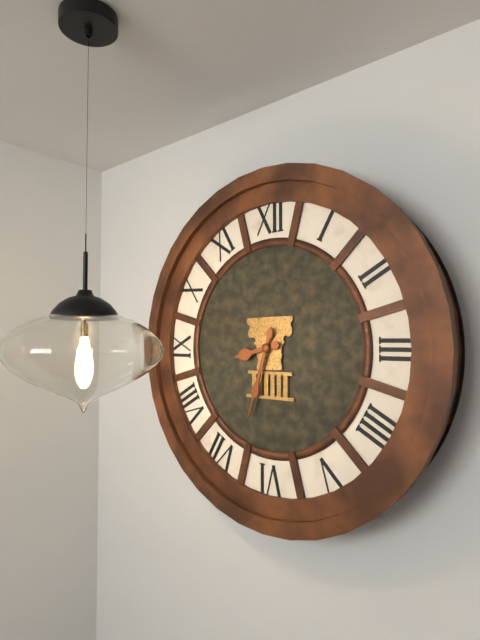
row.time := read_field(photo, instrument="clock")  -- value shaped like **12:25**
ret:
**8:33**
